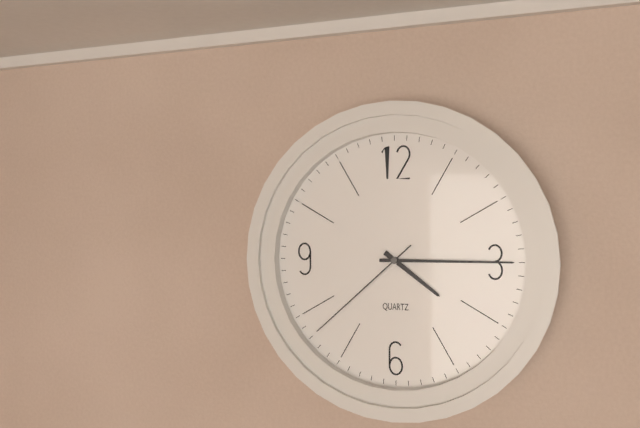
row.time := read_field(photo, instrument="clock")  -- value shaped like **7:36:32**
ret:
**4:15:38**
